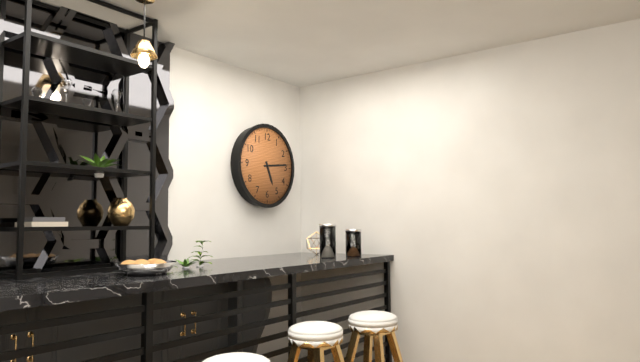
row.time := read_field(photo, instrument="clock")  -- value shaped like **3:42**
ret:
**5:14**
